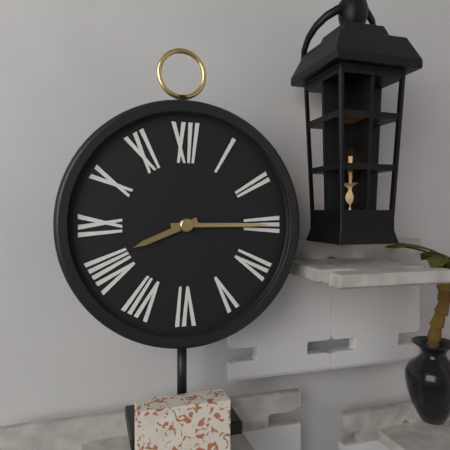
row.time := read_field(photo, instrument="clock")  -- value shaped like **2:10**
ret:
**8:15**
